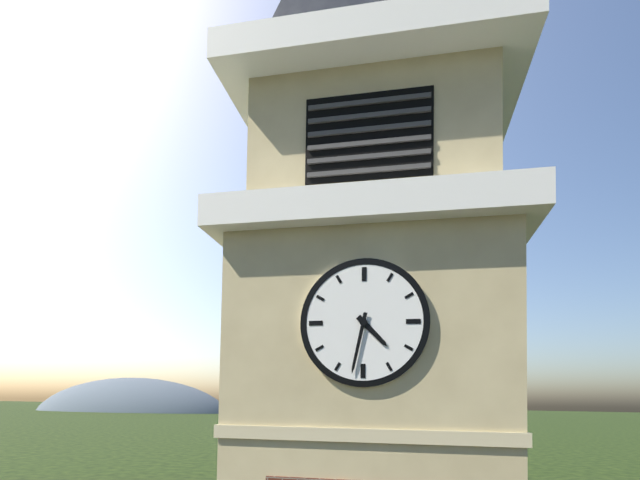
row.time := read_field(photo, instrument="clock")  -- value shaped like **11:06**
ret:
**4:32**
